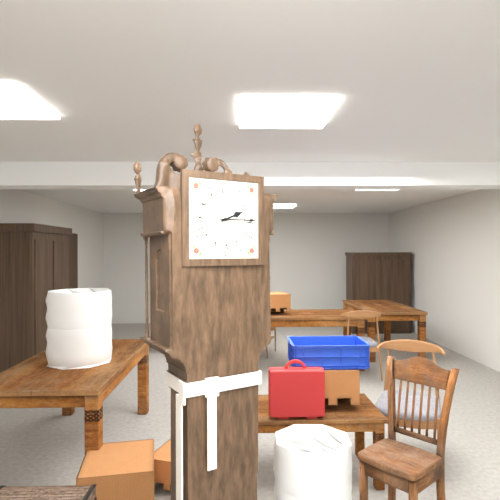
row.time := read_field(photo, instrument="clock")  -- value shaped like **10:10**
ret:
**2:15**
